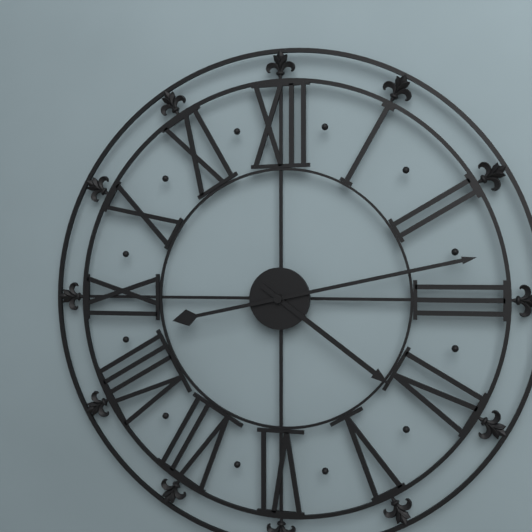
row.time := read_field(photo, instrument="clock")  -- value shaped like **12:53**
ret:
**4:13**
